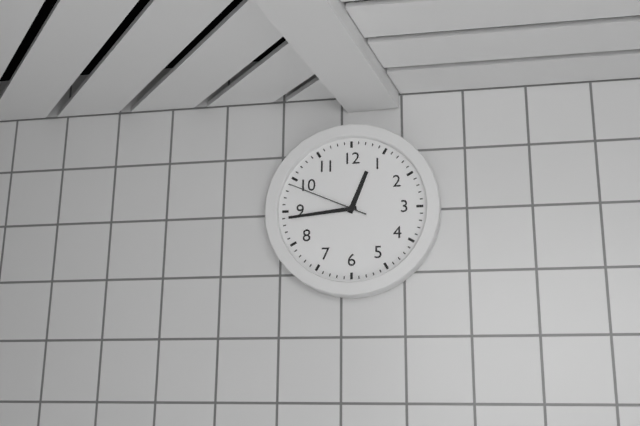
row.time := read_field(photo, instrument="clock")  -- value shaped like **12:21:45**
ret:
**12:44:49**
